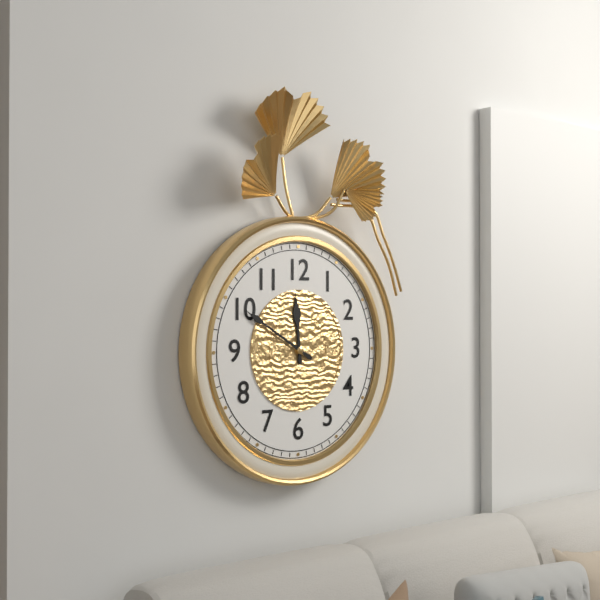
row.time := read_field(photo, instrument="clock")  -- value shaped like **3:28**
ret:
**11:50**
